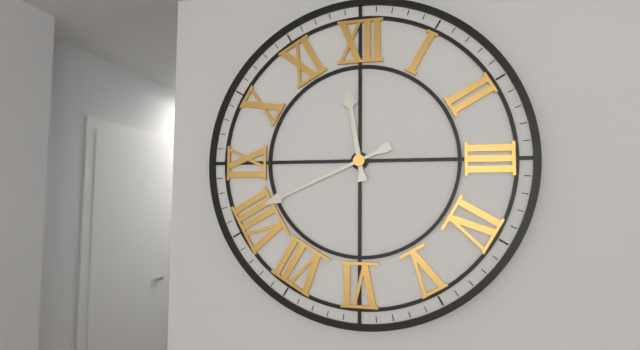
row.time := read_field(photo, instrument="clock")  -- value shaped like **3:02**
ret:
**11:41**
